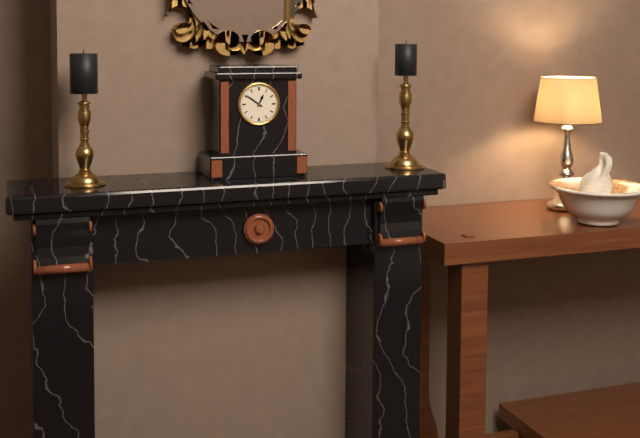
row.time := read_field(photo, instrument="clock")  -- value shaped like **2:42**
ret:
**12:51**
